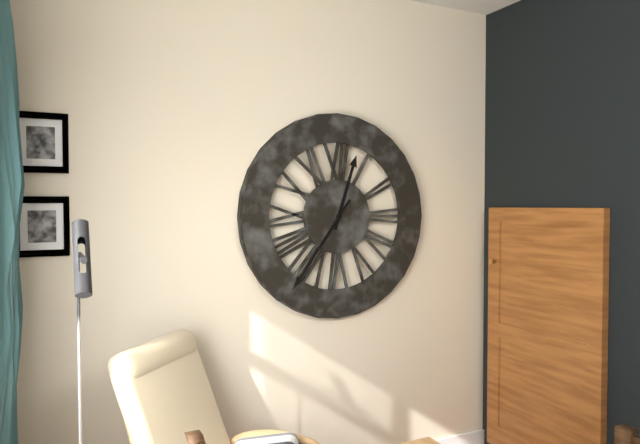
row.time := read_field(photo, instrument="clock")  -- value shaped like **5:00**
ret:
**12:36**
